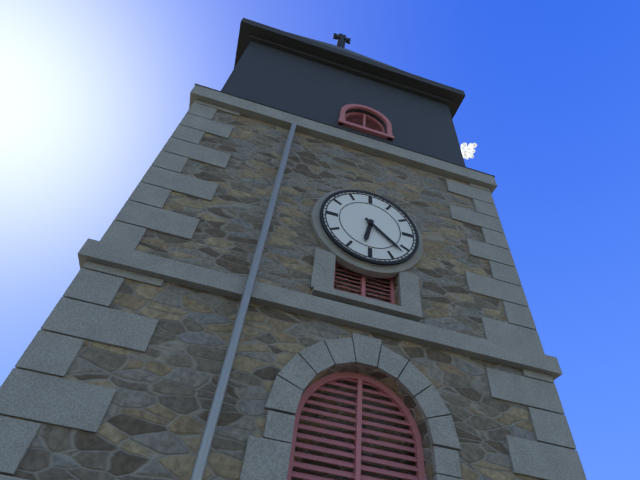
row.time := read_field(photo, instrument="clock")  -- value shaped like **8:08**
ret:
**6:22**
